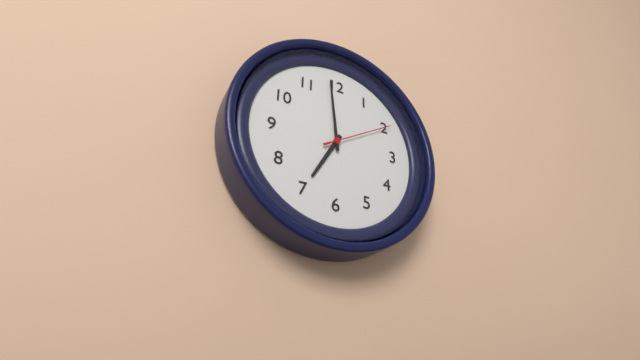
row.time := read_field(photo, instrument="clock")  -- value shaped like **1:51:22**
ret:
**6:59:10**
